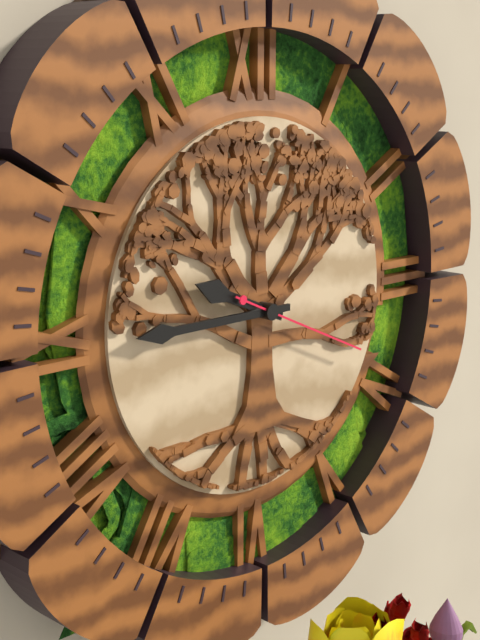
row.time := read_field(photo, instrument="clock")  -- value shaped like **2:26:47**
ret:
**9:45:19**
